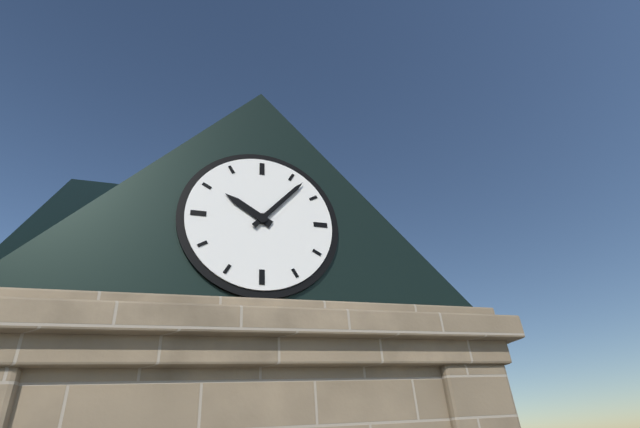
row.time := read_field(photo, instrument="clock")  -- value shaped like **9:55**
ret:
**10:07**
